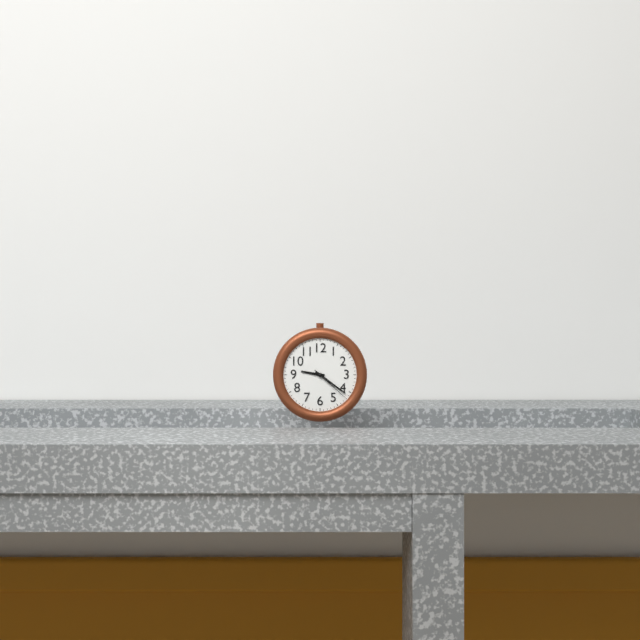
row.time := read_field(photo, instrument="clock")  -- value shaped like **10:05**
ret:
**9:21**
